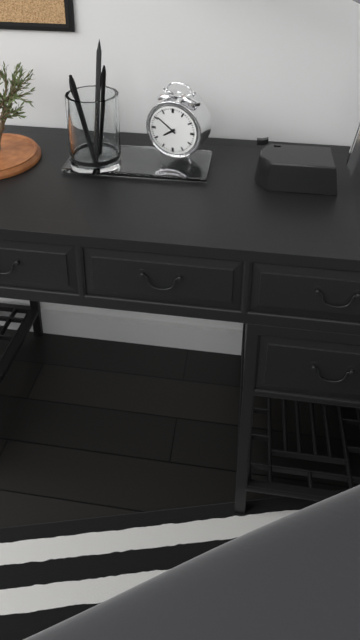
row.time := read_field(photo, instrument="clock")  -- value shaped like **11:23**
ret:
**7:51**
